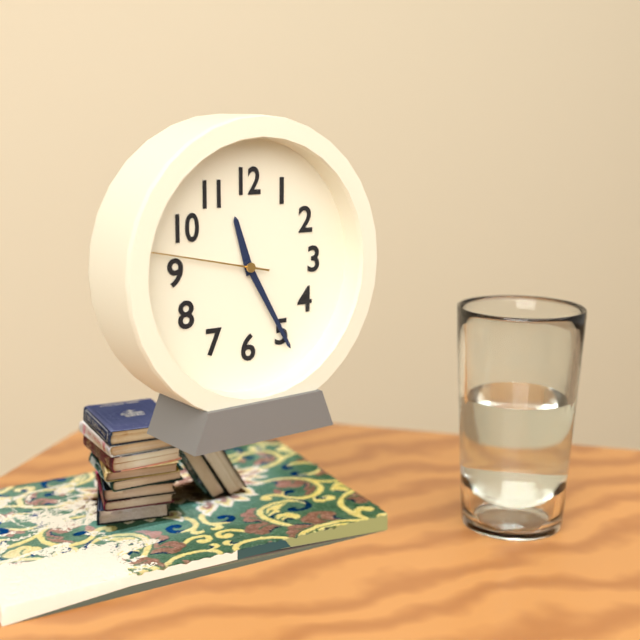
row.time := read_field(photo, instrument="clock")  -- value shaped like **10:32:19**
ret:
**11:25:47**
